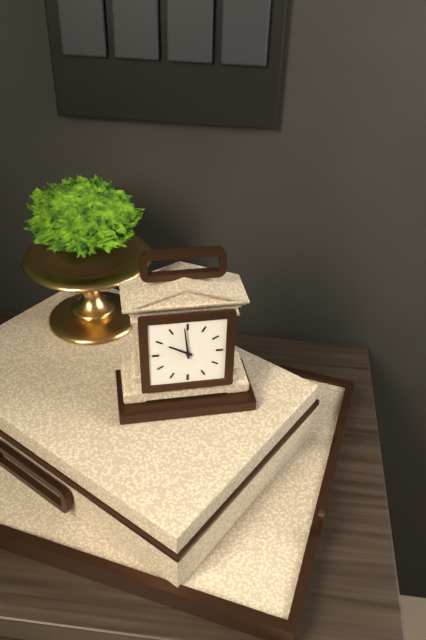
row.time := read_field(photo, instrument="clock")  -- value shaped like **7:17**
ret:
**9:59**
